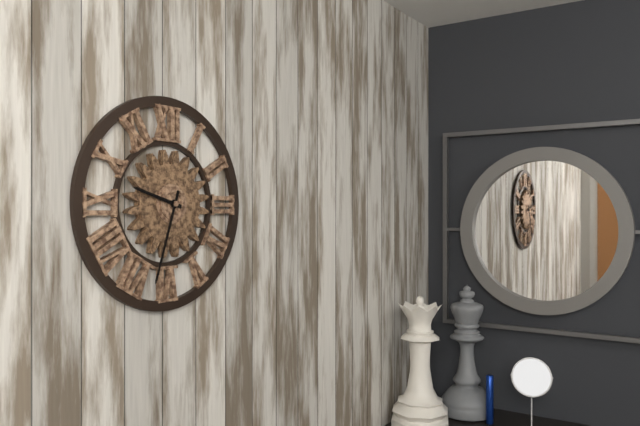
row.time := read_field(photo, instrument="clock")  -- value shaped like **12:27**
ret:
**9:33**
